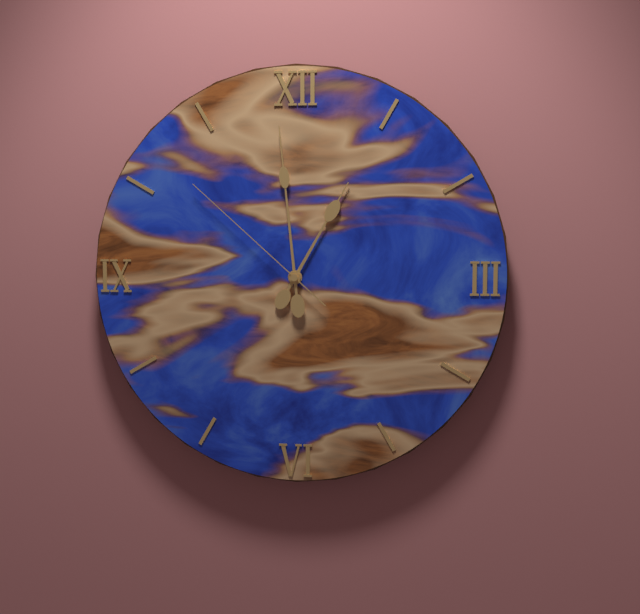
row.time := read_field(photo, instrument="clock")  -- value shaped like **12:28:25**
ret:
**12:59:52**
